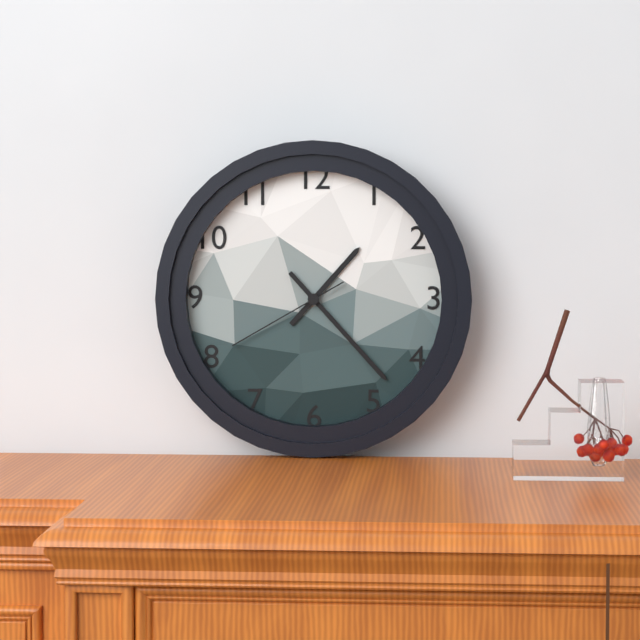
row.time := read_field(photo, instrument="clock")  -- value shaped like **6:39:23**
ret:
**1:23:40**
